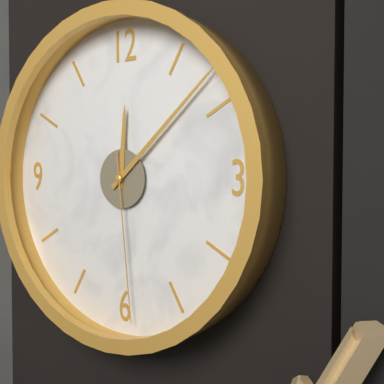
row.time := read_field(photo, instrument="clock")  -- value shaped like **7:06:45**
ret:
**12:08:29**
